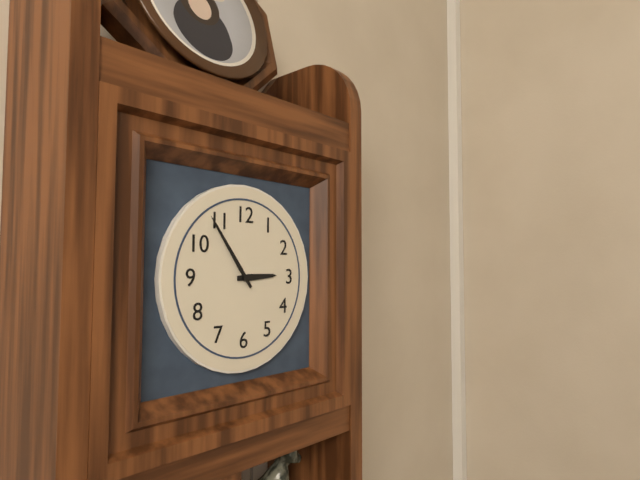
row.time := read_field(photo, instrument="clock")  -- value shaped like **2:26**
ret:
**2:54**
